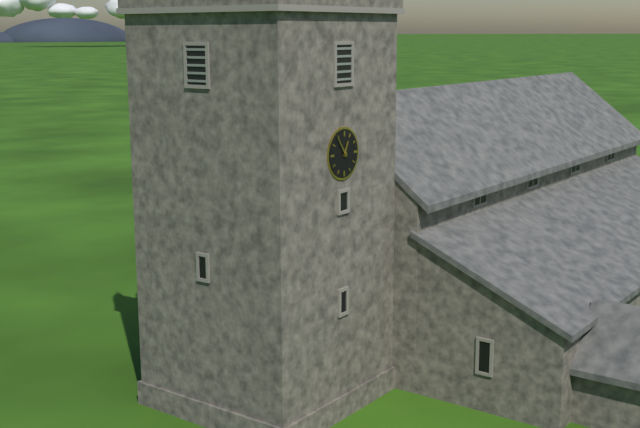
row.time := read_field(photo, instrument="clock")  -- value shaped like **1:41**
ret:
**12:54**
